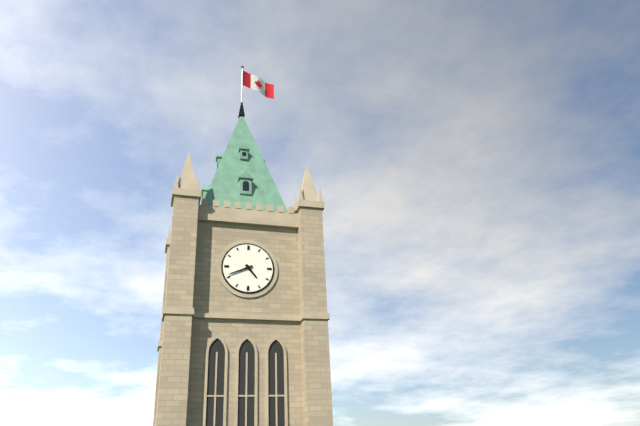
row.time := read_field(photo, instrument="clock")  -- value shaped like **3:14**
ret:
**4:41**
